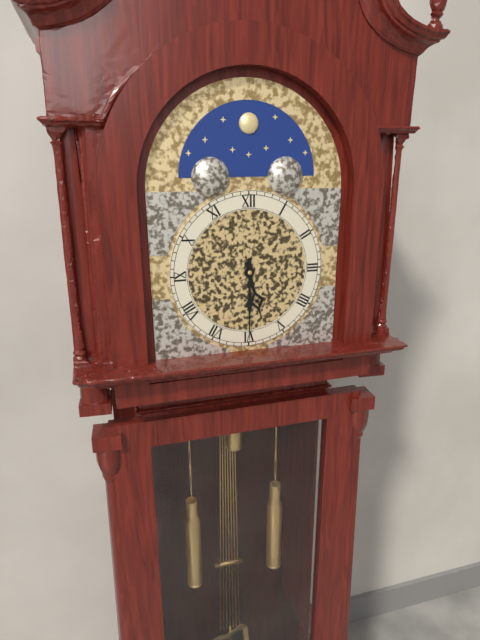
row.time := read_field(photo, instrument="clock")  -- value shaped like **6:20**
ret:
**5:30**
